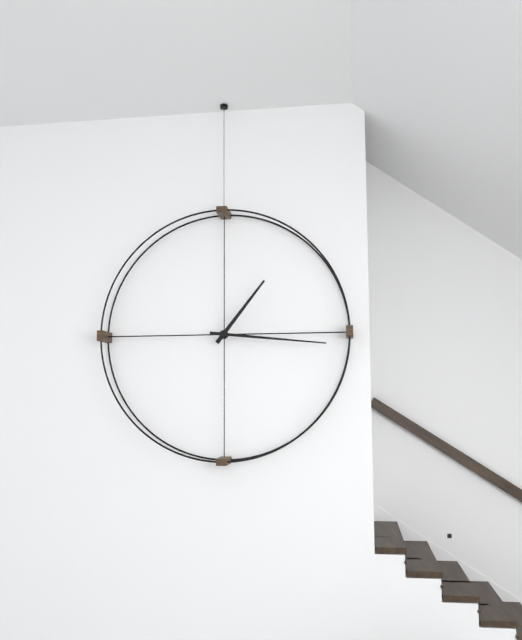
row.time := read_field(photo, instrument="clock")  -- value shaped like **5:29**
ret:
**1:16**
